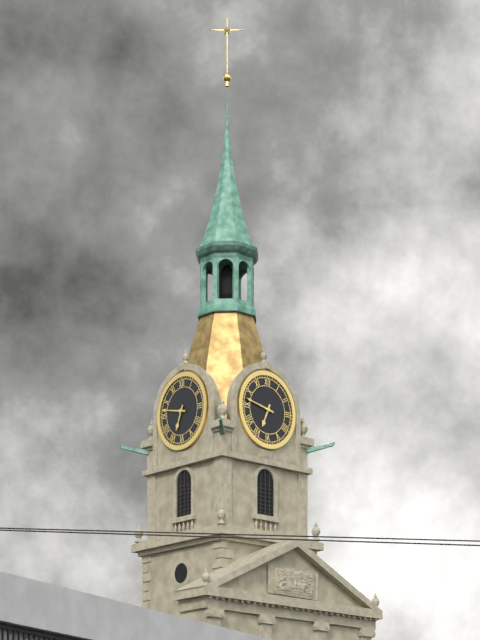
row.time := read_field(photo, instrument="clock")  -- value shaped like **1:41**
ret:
**6:47**
